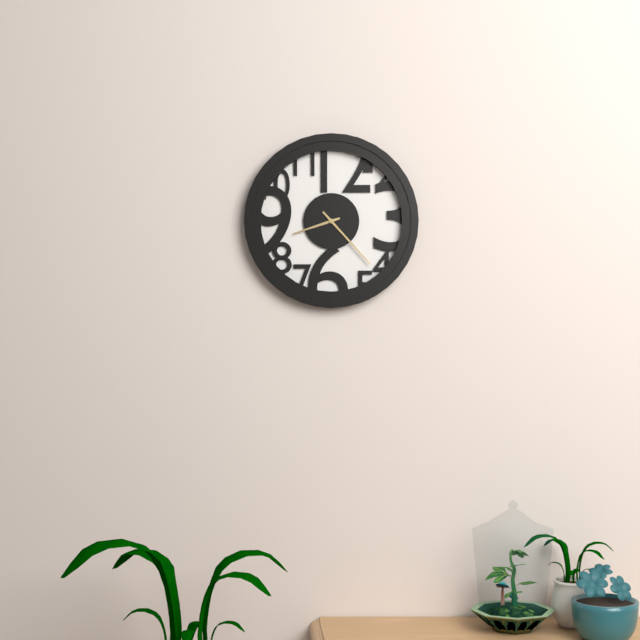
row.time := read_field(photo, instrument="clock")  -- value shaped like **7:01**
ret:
**8:23**
